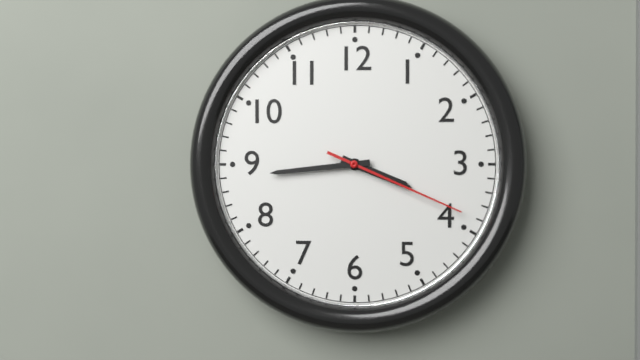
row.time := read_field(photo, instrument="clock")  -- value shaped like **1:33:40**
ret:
**3:44:19**
